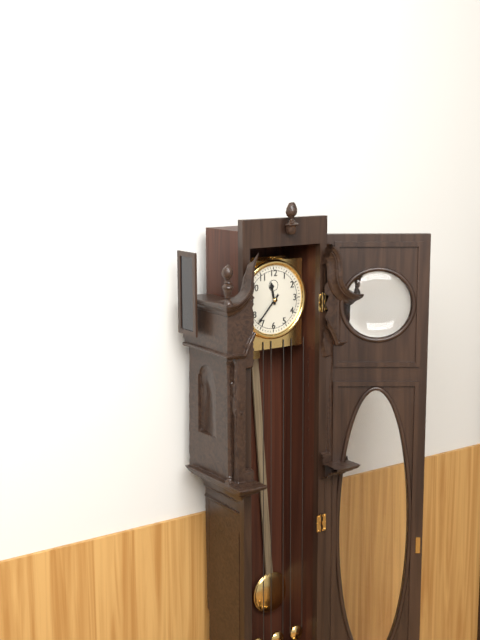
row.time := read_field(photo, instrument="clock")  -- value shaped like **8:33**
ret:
**11:37**
